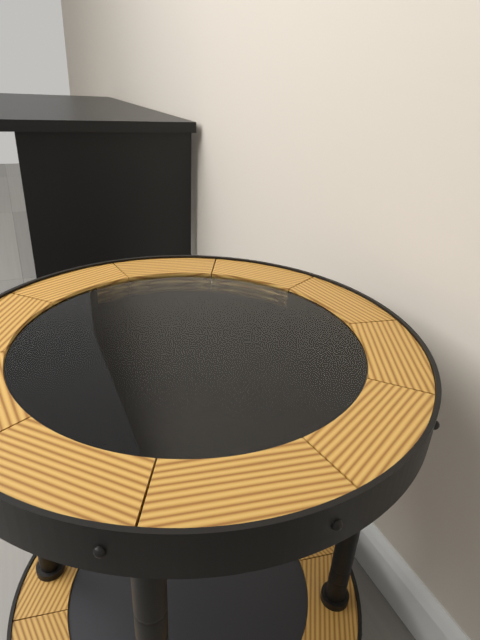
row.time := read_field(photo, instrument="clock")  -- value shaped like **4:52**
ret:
**11:48**
